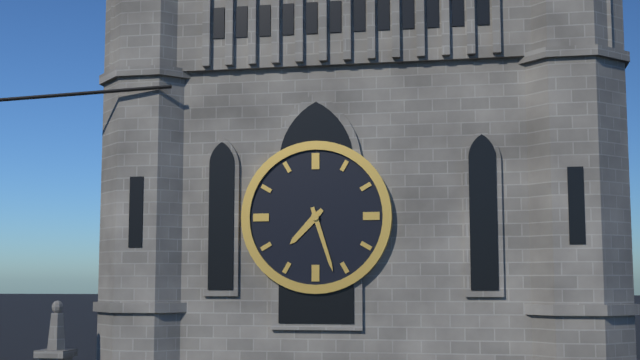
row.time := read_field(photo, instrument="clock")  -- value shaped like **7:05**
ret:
**7:27**
